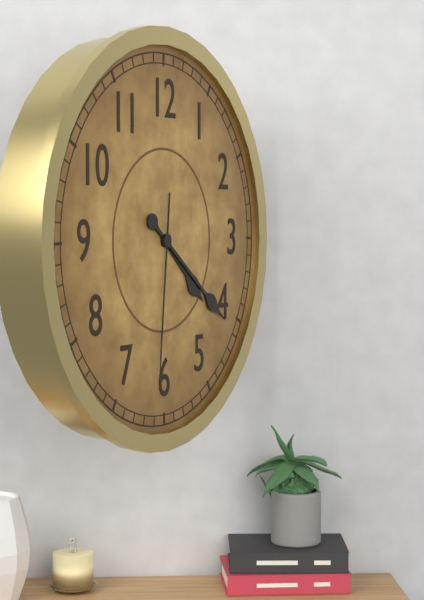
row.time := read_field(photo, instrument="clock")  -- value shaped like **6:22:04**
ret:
**4:21:31**
